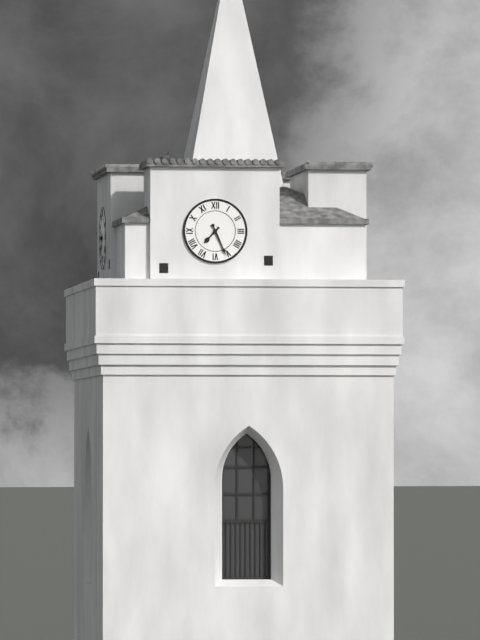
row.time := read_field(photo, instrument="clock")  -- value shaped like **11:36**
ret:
**7:26**
